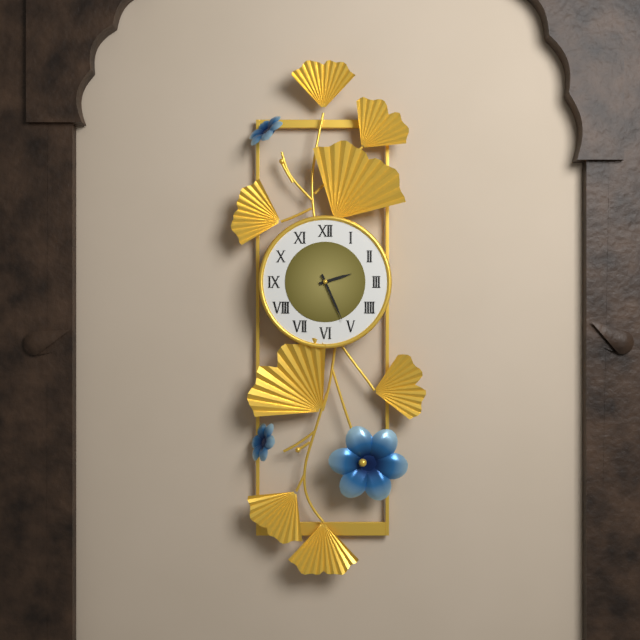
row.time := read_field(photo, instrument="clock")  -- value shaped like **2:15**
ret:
**2:26**
